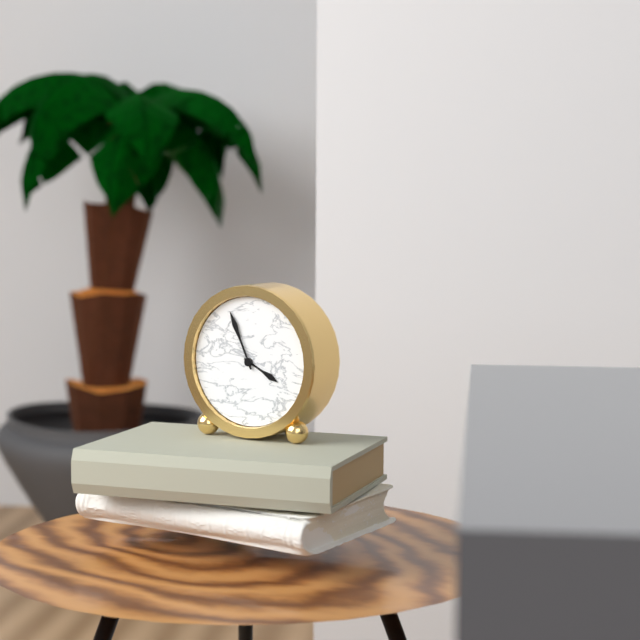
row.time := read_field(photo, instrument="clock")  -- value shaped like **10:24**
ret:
**3:56**
